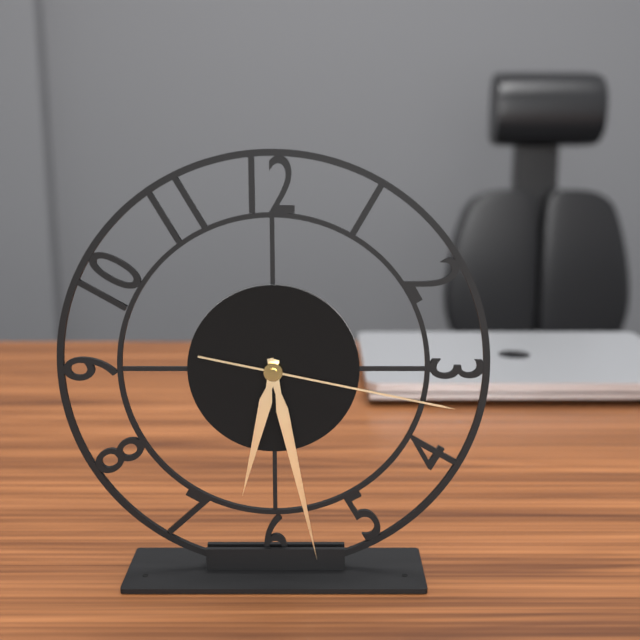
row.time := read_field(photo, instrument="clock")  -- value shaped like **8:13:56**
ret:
**6:28:17**
